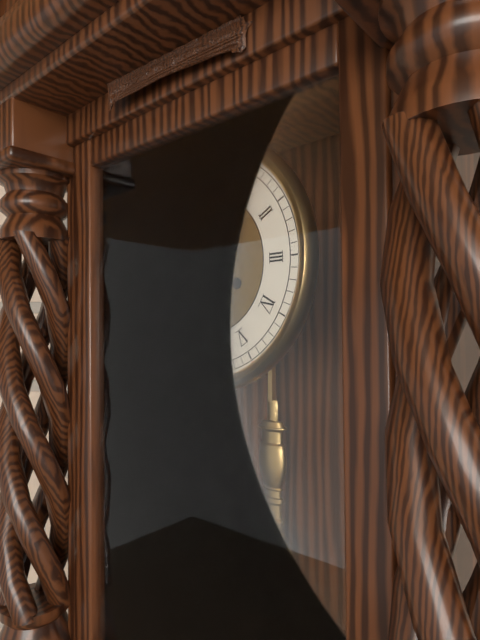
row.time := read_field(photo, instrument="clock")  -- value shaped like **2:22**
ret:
**5:31**
